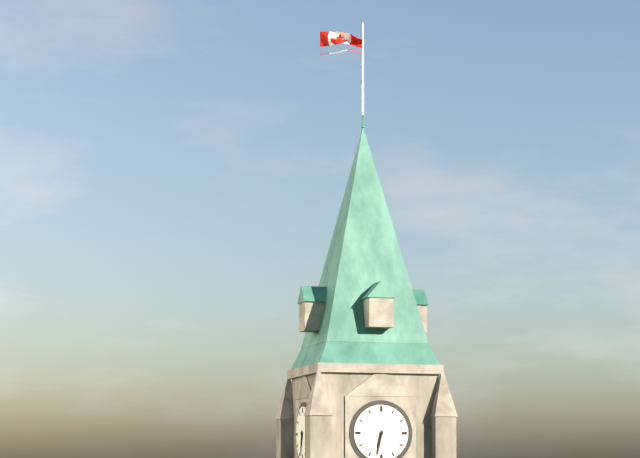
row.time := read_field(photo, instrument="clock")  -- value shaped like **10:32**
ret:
**6:32**
